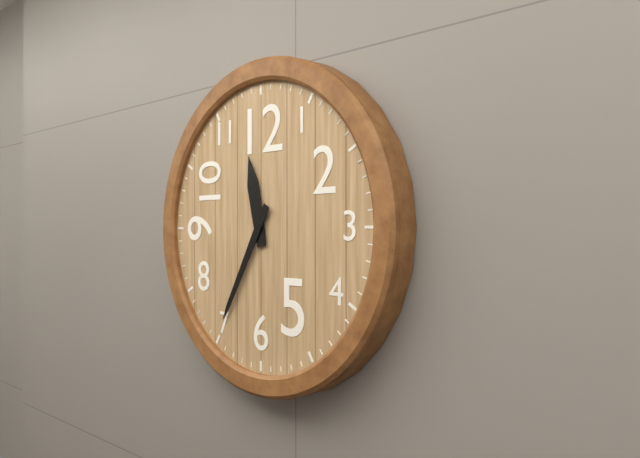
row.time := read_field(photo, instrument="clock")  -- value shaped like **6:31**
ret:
**11:35**
